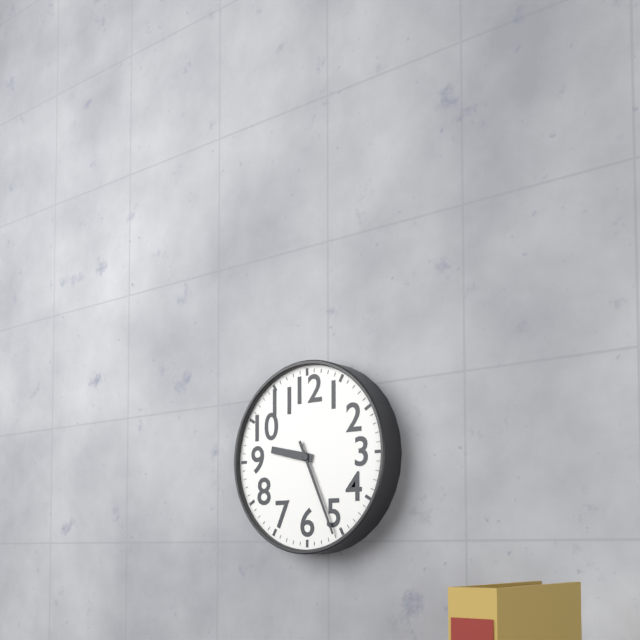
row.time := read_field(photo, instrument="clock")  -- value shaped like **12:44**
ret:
**9:26**
